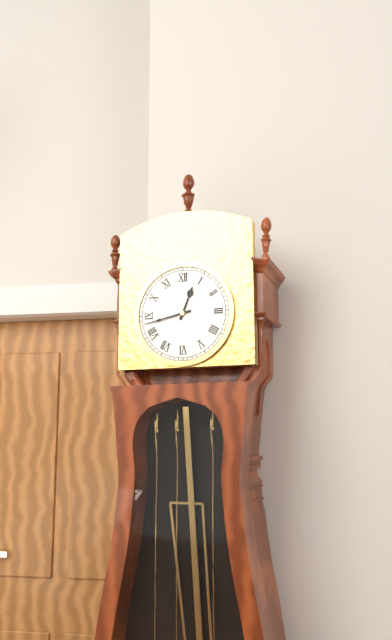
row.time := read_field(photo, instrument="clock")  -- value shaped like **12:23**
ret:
**12:43**
